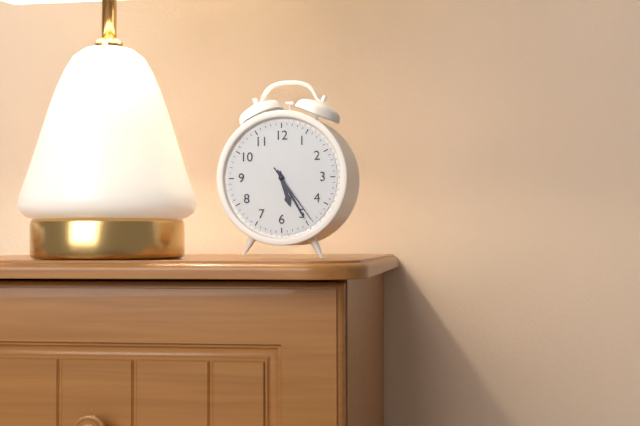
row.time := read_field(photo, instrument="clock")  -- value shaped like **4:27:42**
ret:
**5:25:24**
